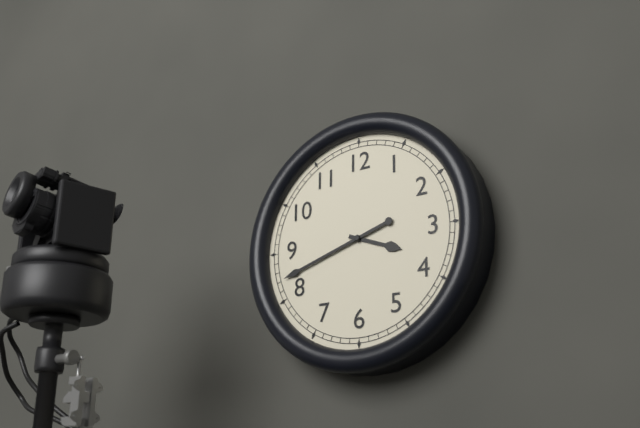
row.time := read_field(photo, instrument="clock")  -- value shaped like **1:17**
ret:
**3:42**
